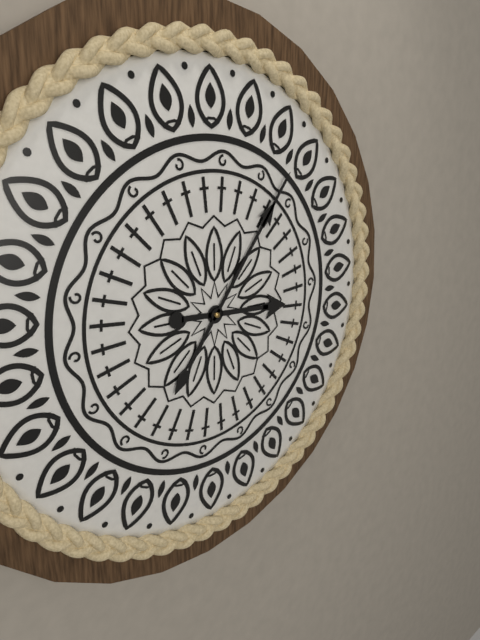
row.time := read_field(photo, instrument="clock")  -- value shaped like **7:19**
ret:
**3:06**
